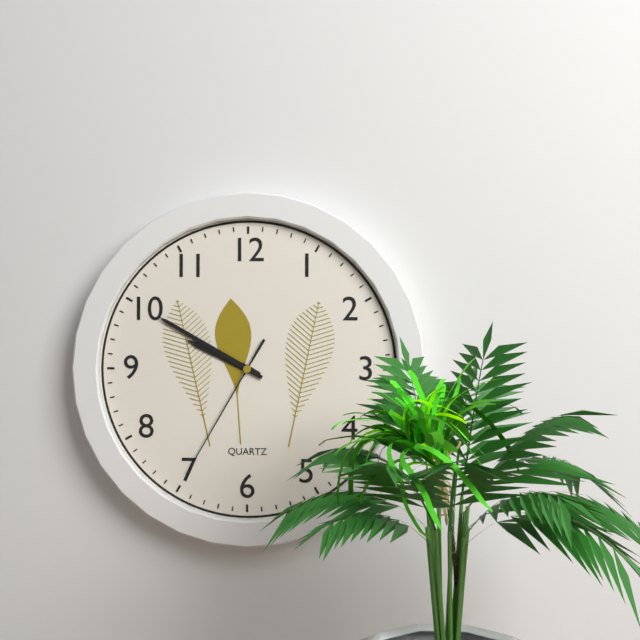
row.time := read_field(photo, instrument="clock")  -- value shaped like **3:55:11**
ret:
**9:50:35**
